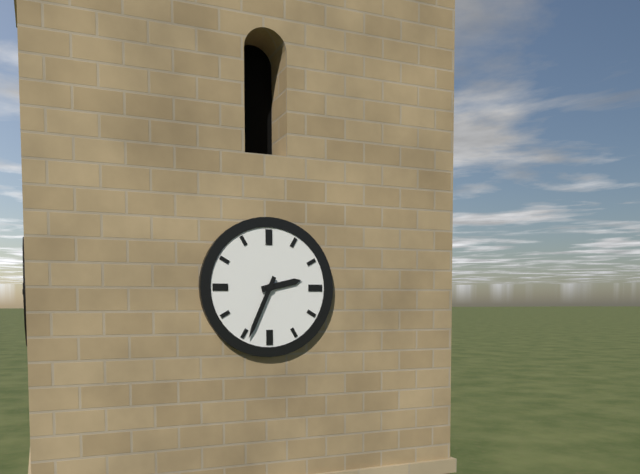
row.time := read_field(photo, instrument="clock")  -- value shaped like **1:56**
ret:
**2:34**
